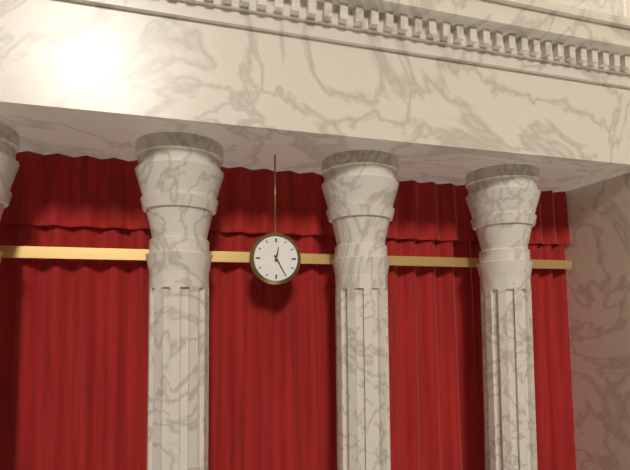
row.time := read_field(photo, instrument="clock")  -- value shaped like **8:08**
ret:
**12:25**
